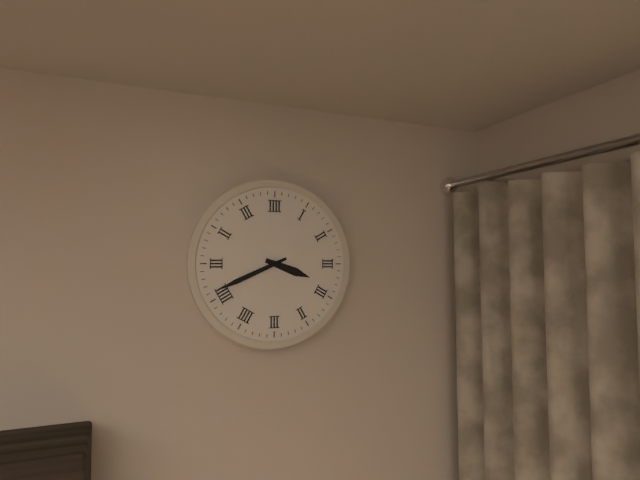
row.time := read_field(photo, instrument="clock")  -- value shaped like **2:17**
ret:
**3:41**
